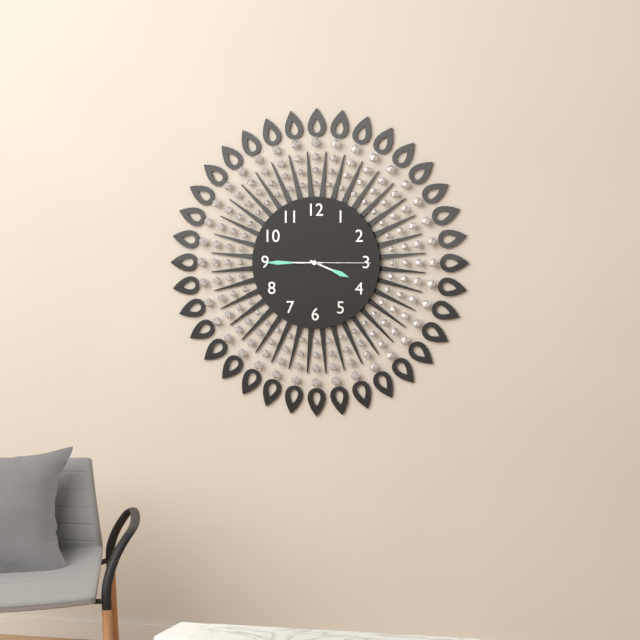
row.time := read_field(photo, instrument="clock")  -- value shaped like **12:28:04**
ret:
**3:45:15**
